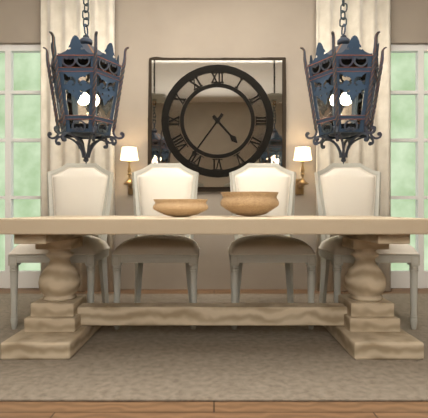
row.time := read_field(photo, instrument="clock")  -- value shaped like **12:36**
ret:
**4:36**
